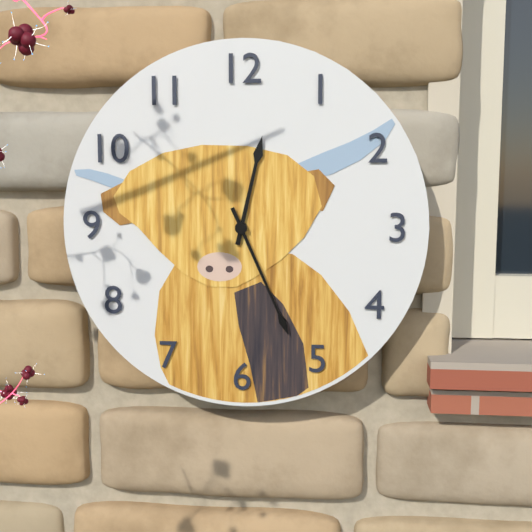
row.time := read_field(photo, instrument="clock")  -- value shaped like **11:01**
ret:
**12:26**
